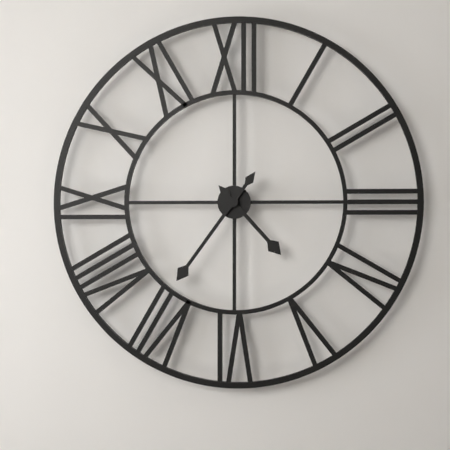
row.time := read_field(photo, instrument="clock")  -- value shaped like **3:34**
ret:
**4:36**
